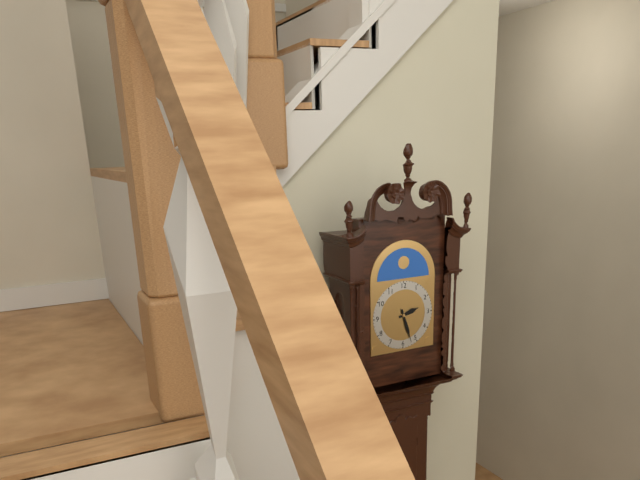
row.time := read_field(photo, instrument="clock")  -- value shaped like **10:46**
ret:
**2:27**
